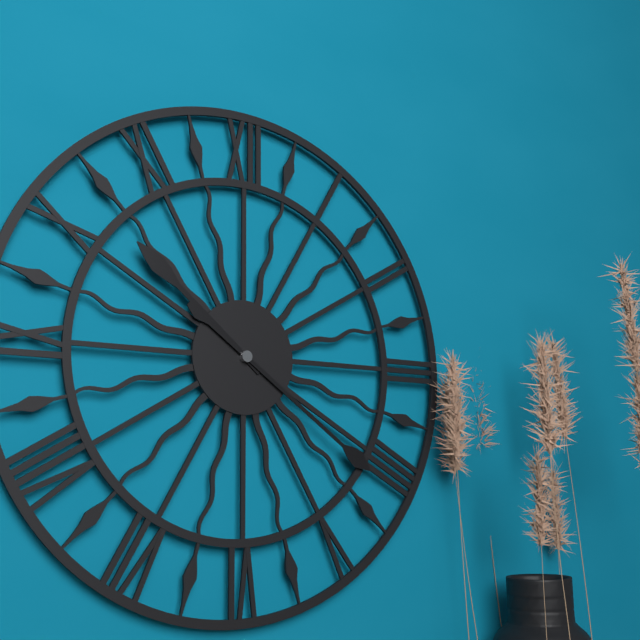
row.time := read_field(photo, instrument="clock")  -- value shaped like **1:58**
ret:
**10:21**
